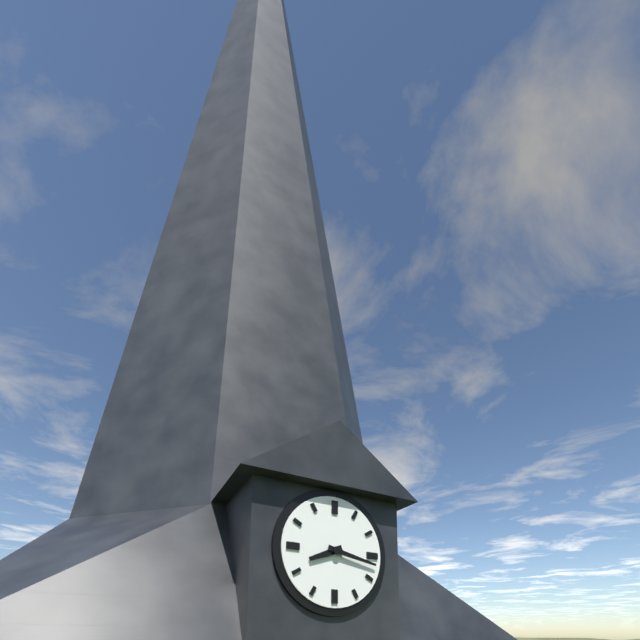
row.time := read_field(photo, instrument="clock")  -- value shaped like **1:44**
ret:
**8:17**
